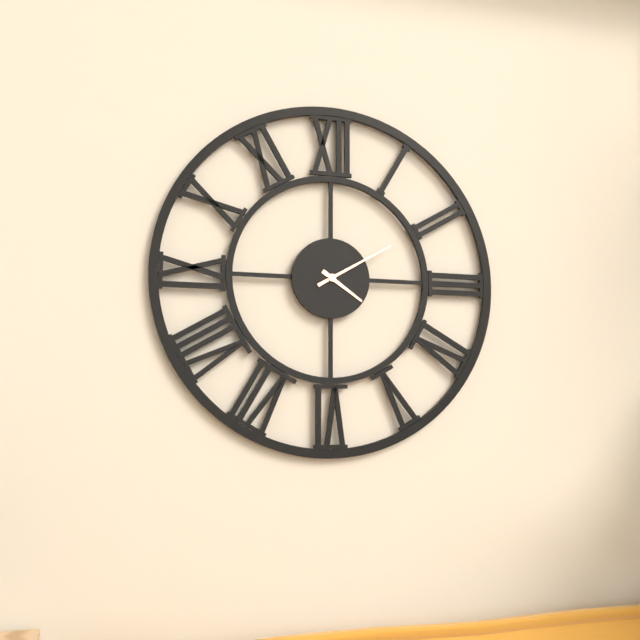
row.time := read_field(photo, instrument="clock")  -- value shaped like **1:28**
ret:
**4:10**
